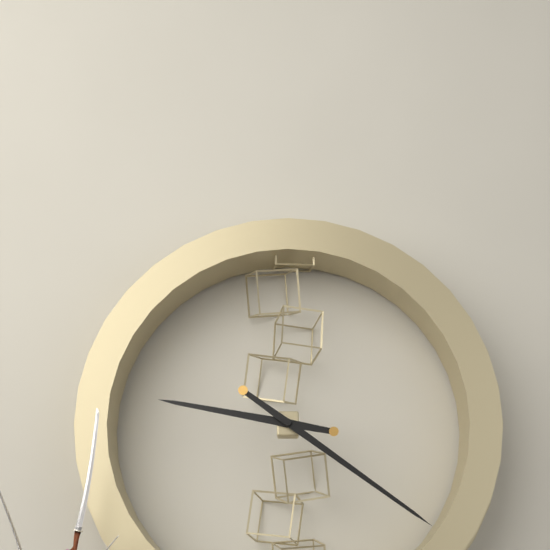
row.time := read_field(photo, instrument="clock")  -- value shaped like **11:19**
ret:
**9:21**
